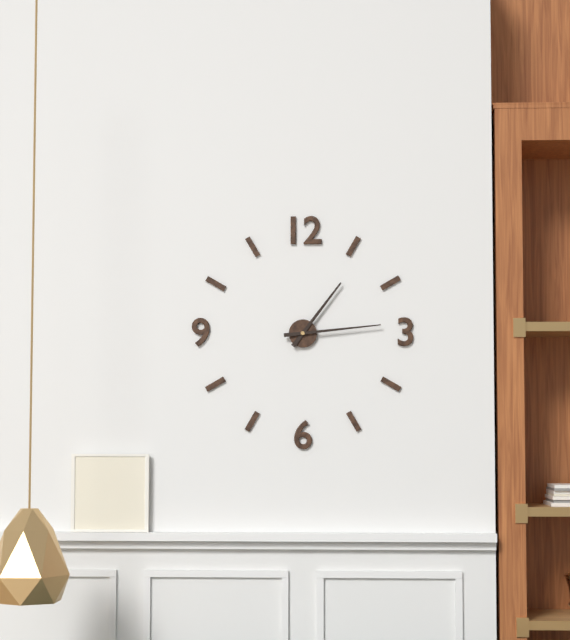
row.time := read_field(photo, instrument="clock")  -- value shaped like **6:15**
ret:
**1:14**
